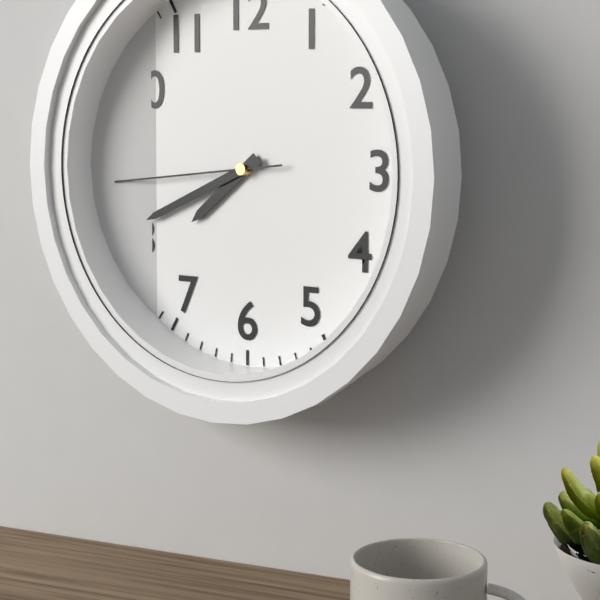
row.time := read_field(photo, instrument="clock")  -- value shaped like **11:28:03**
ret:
**7:41:44**
